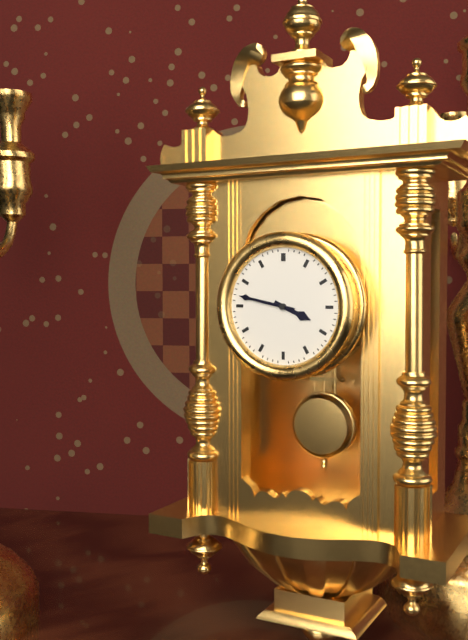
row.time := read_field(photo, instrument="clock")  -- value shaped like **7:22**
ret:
**3:47**
